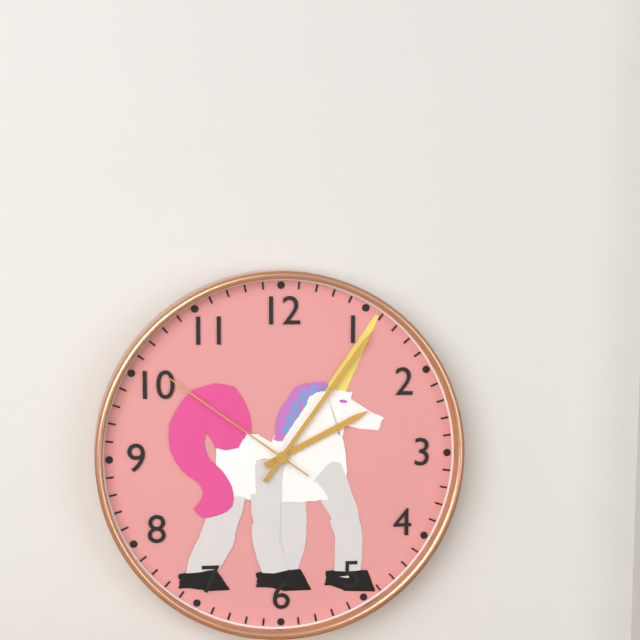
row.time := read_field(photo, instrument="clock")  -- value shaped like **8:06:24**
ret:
**2:06:51**
